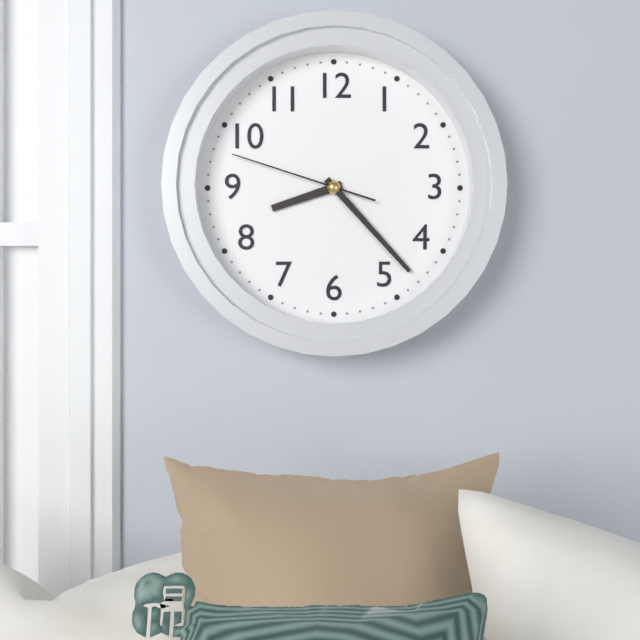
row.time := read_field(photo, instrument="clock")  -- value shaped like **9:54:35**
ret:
**8:23:48**
